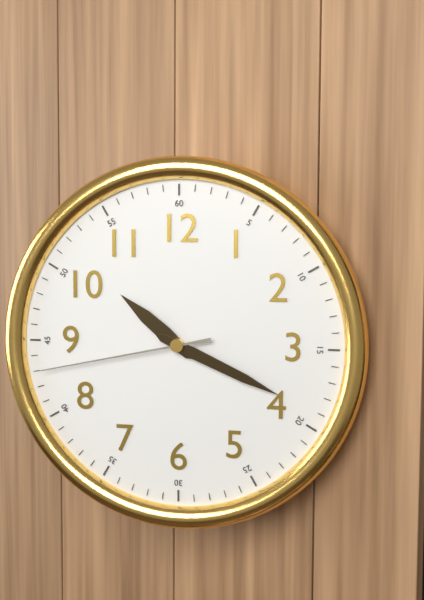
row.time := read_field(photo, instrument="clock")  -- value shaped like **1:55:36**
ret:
**10:19:43**
